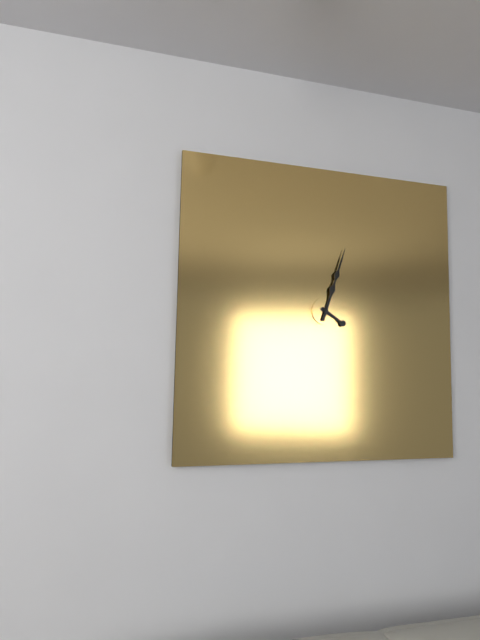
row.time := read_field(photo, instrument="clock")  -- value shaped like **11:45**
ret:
**4:03**
